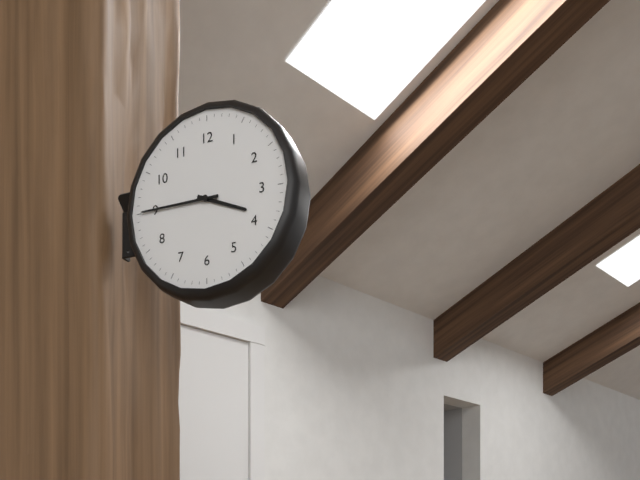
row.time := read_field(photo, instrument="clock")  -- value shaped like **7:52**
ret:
**3:45**
